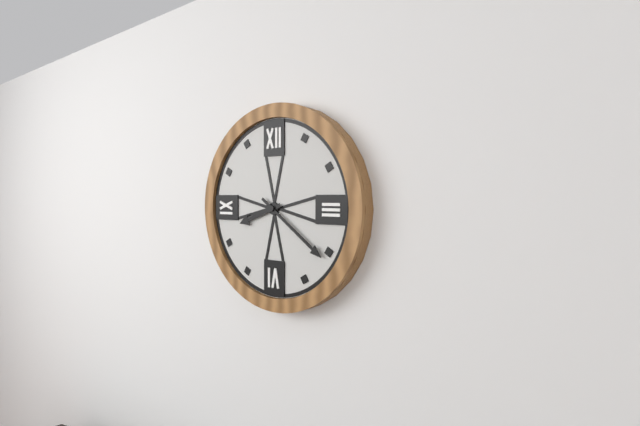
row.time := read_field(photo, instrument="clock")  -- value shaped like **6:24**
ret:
**8:21**
